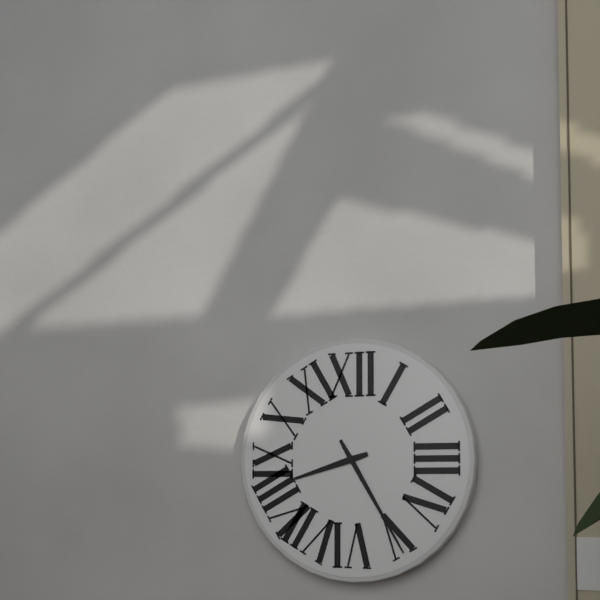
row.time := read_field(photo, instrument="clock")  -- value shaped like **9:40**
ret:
**8:25**
